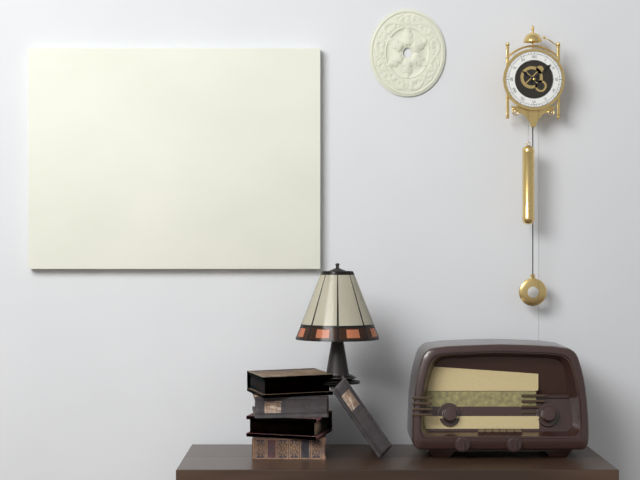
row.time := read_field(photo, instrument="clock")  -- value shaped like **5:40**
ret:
**10:08**
